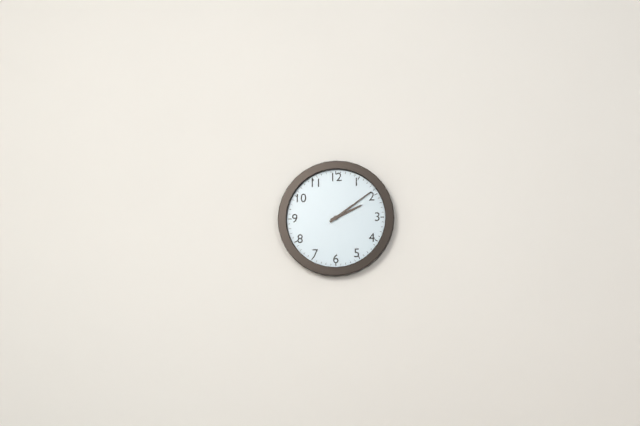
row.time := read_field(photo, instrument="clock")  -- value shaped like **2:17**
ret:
**2:09**
